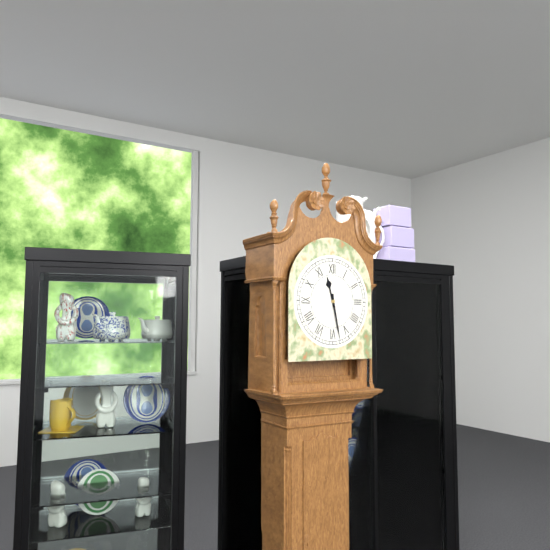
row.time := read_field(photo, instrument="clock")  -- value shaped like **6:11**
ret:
**11:28**
